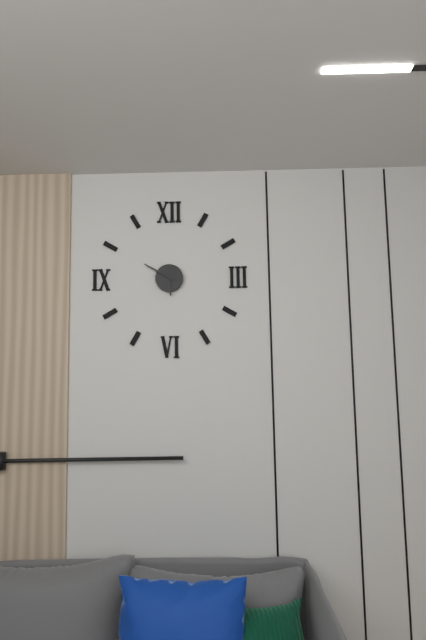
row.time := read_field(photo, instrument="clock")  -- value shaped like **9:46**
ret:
**5:50**
